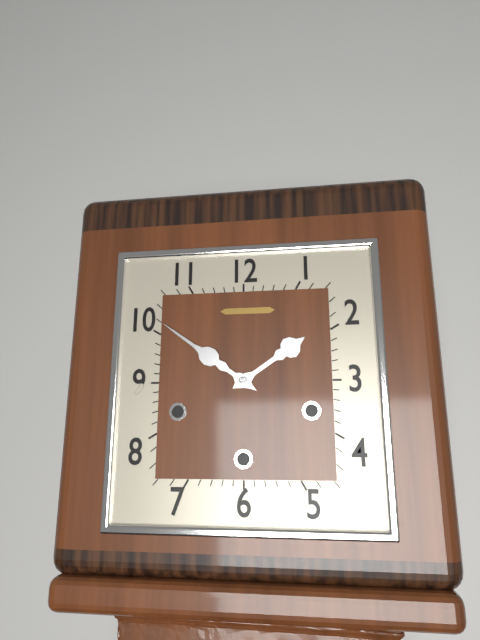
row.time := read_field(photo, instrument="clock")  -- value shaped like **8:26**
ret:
**1:51**
